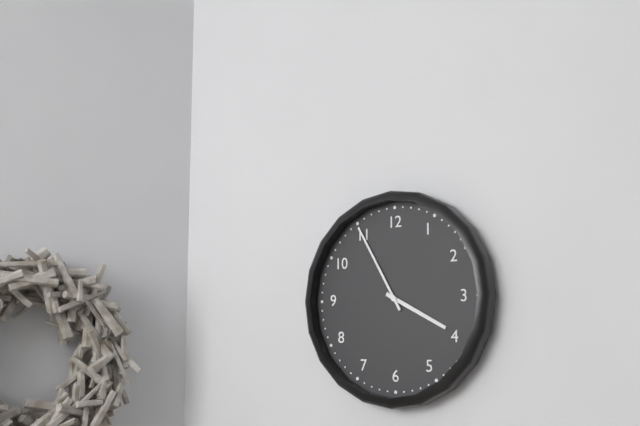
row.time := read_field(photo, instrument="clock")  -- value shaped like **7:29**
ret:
**3:55**
